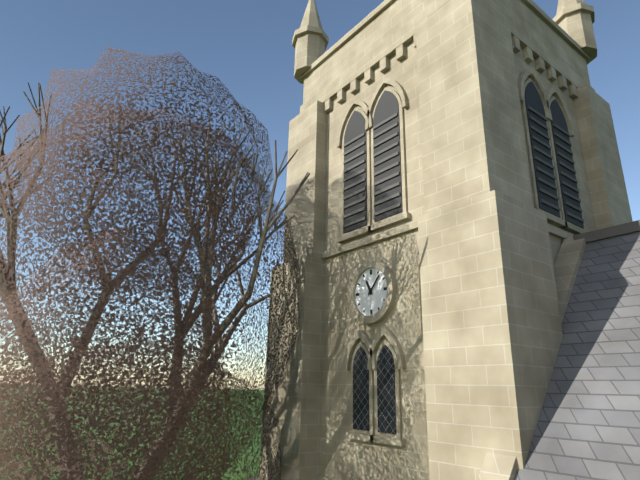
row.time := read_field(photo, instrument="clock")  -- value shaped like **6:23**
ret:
**11:07**
